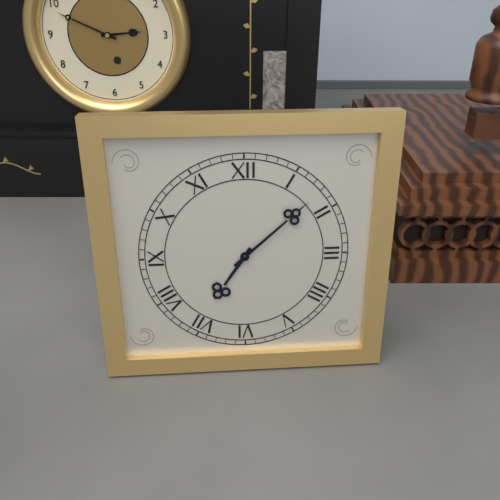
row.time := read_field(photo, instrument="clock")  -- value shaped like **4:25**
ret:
**7:08**
